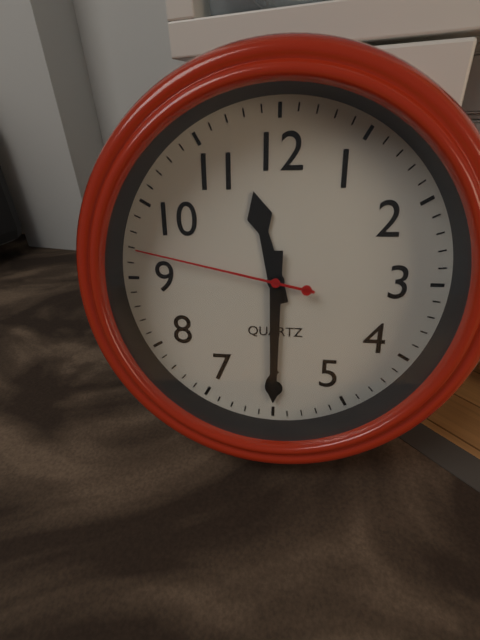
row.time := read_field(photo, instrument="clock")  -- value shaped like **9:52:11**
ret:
**11:30:47**
